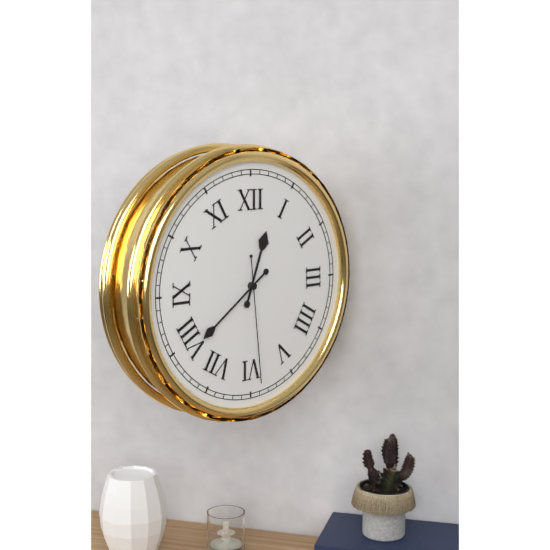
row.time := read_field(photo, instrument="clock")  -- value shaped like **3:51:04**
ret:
**12:39:29**
